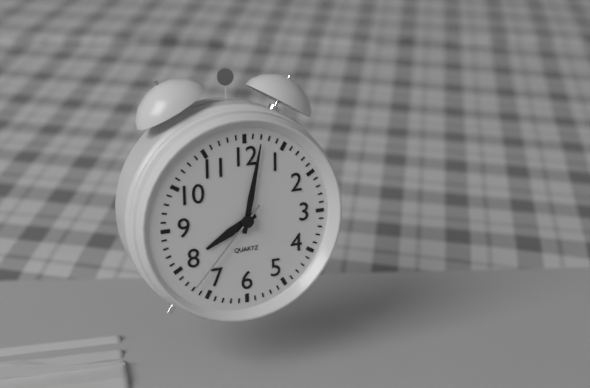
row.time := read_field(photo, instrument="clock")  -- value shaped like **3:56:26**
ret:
**8:02:37**
